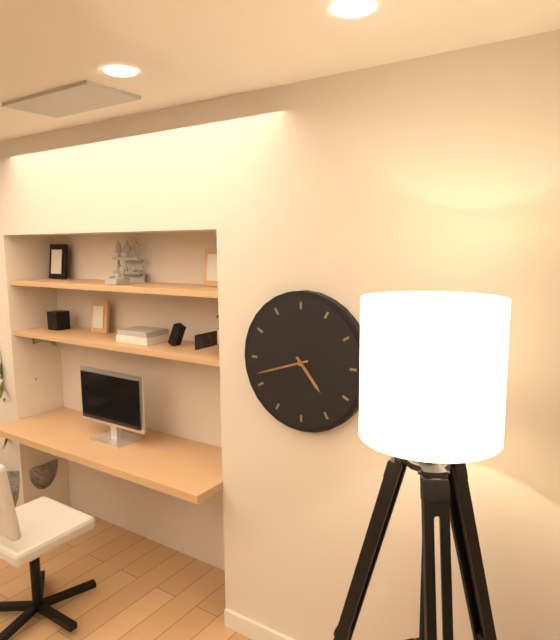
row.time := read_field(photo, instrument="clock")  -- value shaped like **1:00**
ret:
**4:42**
